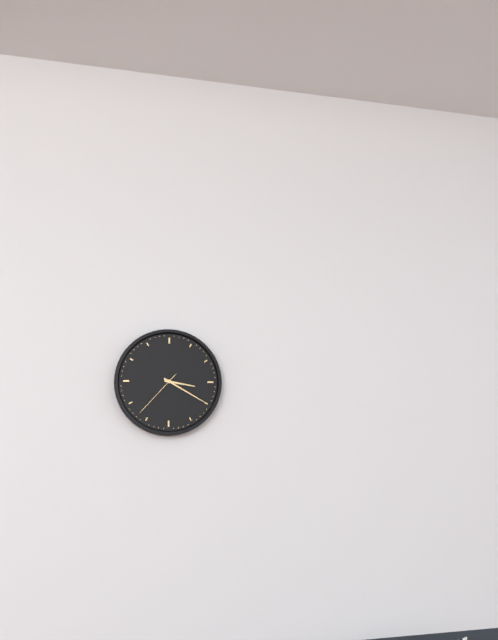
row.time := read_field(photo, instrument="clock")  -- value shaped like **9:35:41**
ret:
**3:20:37**
